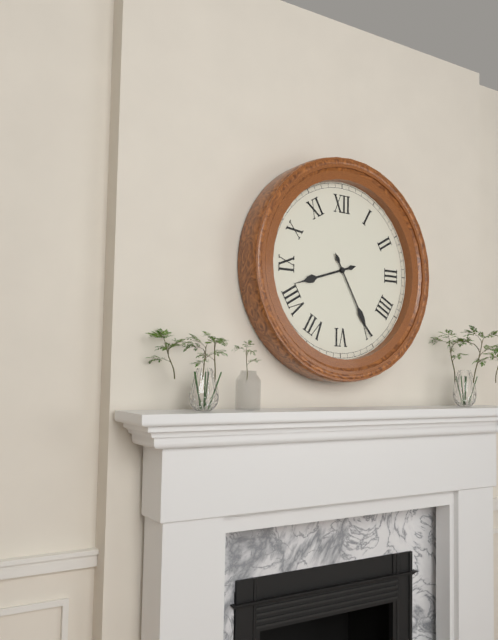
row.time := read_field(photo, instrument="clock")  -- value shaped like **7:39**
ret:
**8:25**
